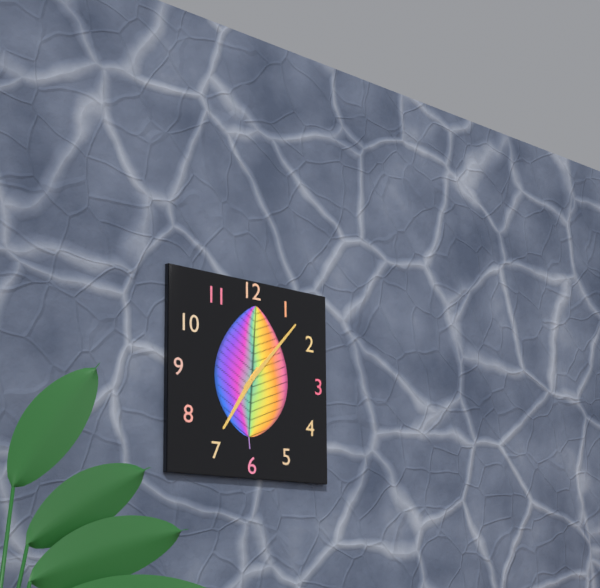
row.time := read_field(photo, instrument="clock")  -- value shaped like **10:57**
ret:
**7:07**
